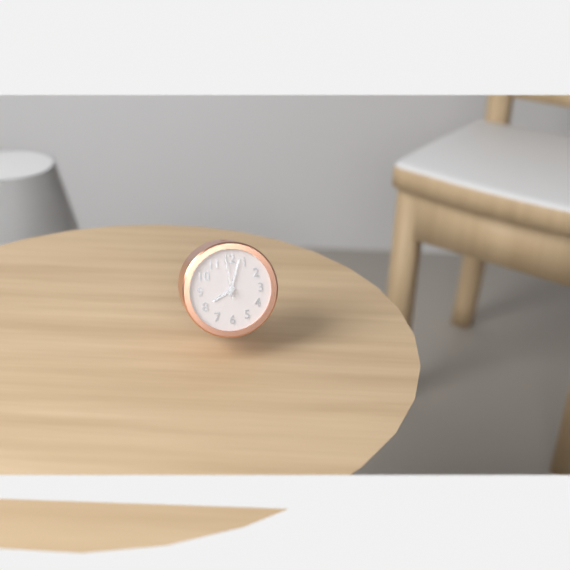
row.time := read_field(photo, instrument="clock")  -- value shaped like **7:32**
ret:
**8:03**
